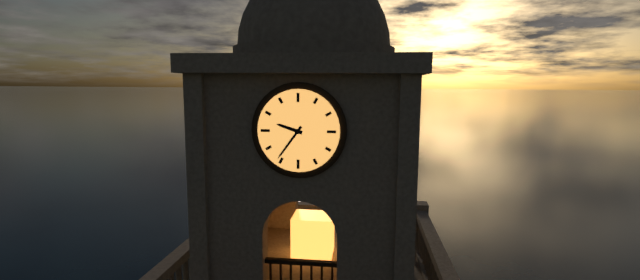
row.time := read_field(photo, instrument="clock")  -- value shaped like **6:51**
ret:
**9:36**
